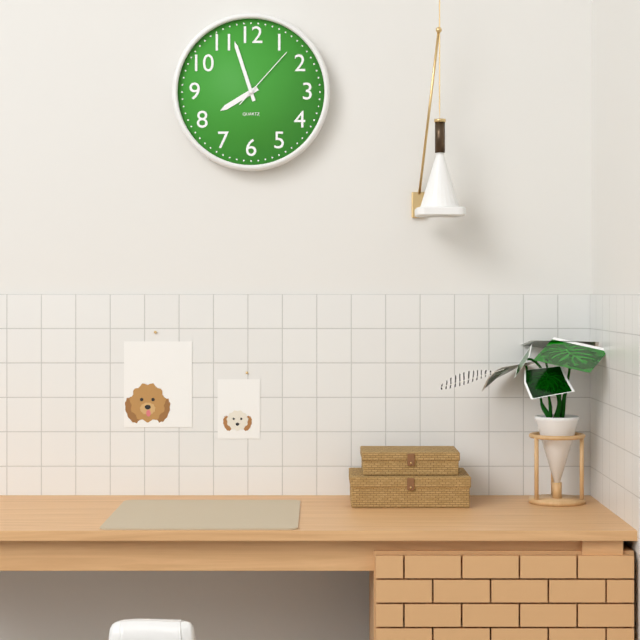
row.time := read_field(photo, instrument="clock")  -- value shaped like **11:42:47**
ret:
**7:57:07**
